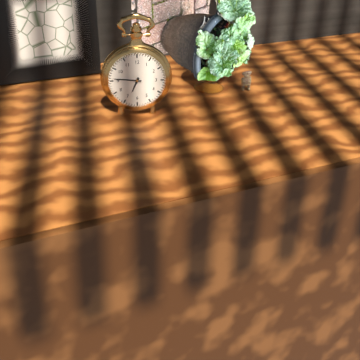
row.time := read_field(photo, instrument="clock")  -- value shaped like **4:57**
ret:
**6:46**
